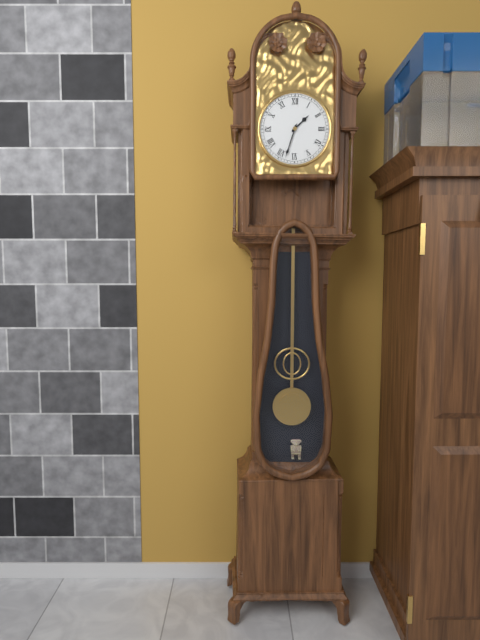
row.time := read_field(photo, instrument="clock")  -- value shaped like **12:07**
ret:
**1:33**
